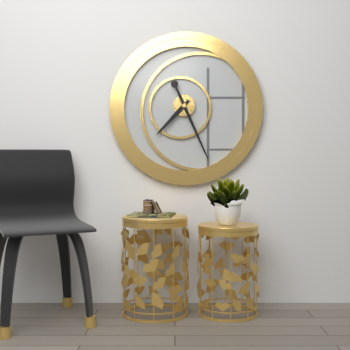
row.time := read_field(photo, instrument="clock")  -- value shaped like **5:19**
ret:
**7:26**
